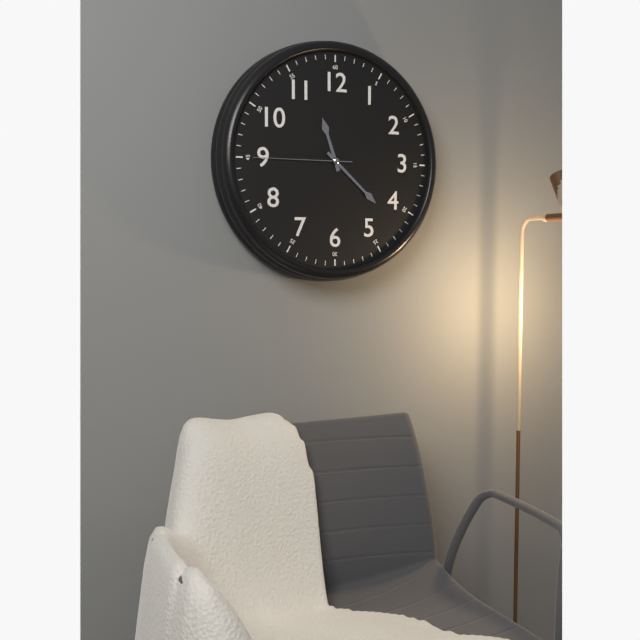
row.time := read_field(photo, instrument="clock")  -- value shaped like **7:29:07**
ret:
**11:22:45**
